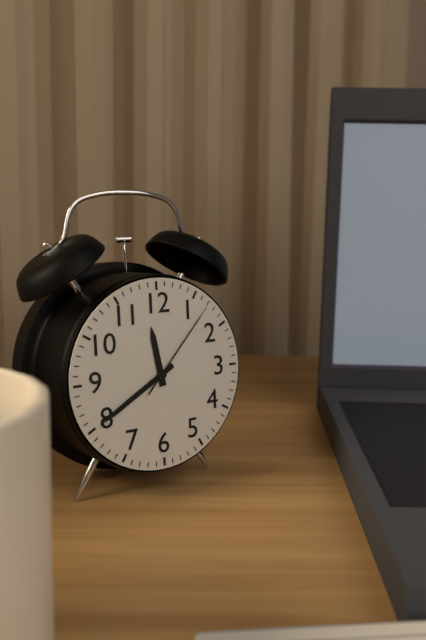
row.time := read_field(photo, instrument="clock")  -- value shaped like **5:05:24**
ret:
**11:40:07**
